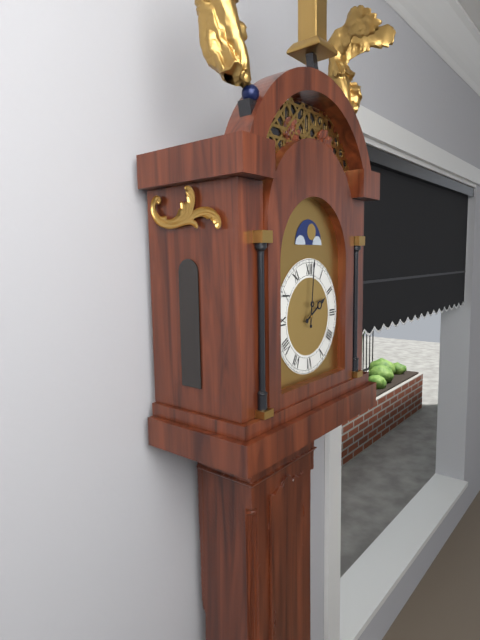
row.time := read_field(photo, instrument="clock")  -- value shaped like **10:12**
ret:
**2:01**
